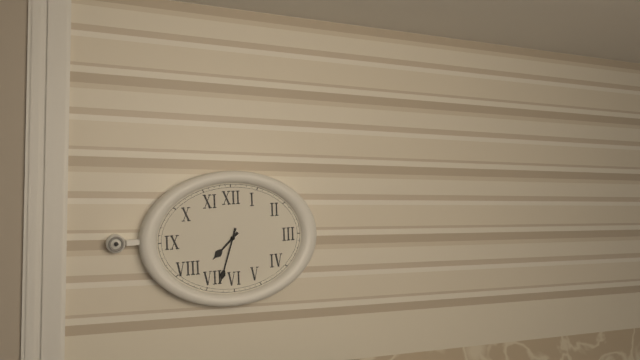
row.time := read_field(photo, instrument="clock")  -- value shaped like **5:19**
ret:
**7:33**
